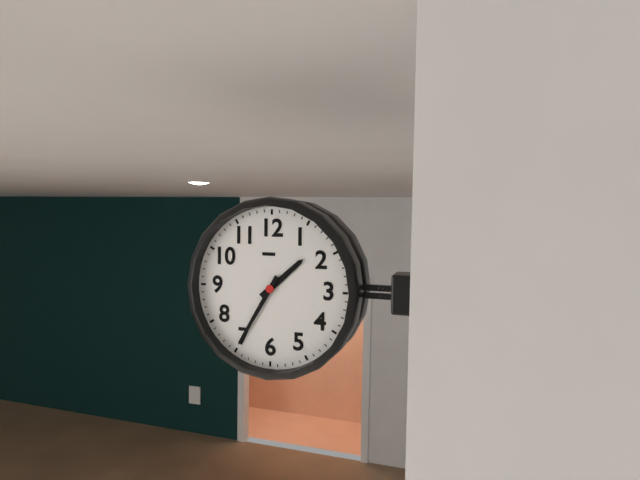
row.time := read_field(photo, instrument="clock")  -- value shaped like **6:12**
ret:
**1:35**
